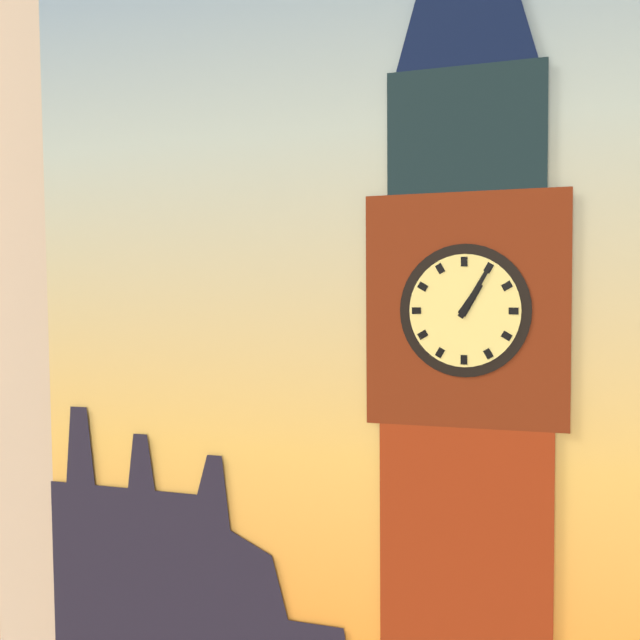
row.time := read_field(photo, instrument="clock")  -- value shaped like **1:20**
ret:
**1:05**
